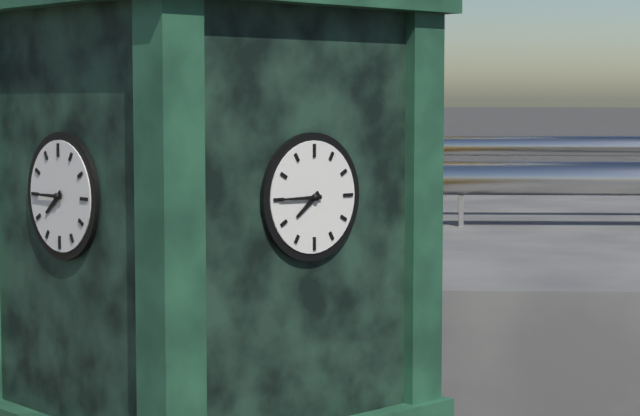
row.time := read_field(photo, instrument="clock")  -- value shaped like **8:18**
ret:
**7:45**
